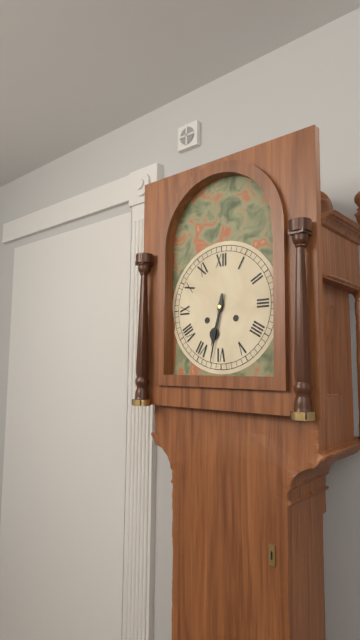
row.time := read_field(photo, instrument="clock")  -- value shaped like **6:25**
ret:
**6:32**
